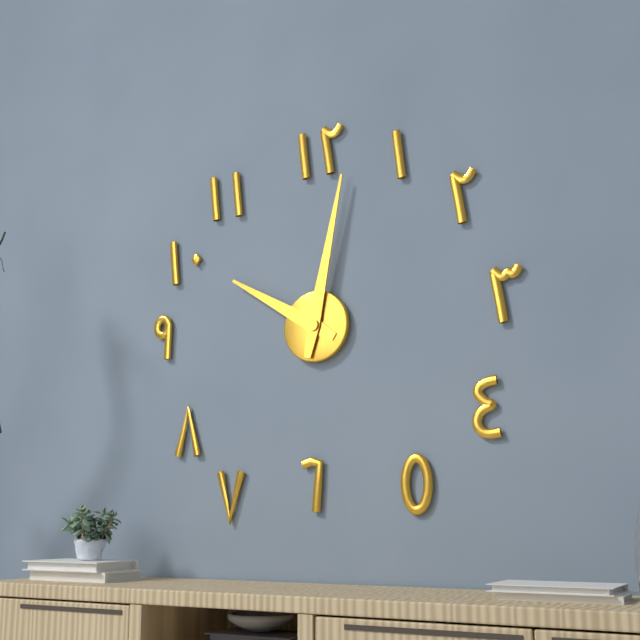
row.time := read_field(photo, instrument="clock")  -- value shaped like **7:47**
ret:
**10:02**
